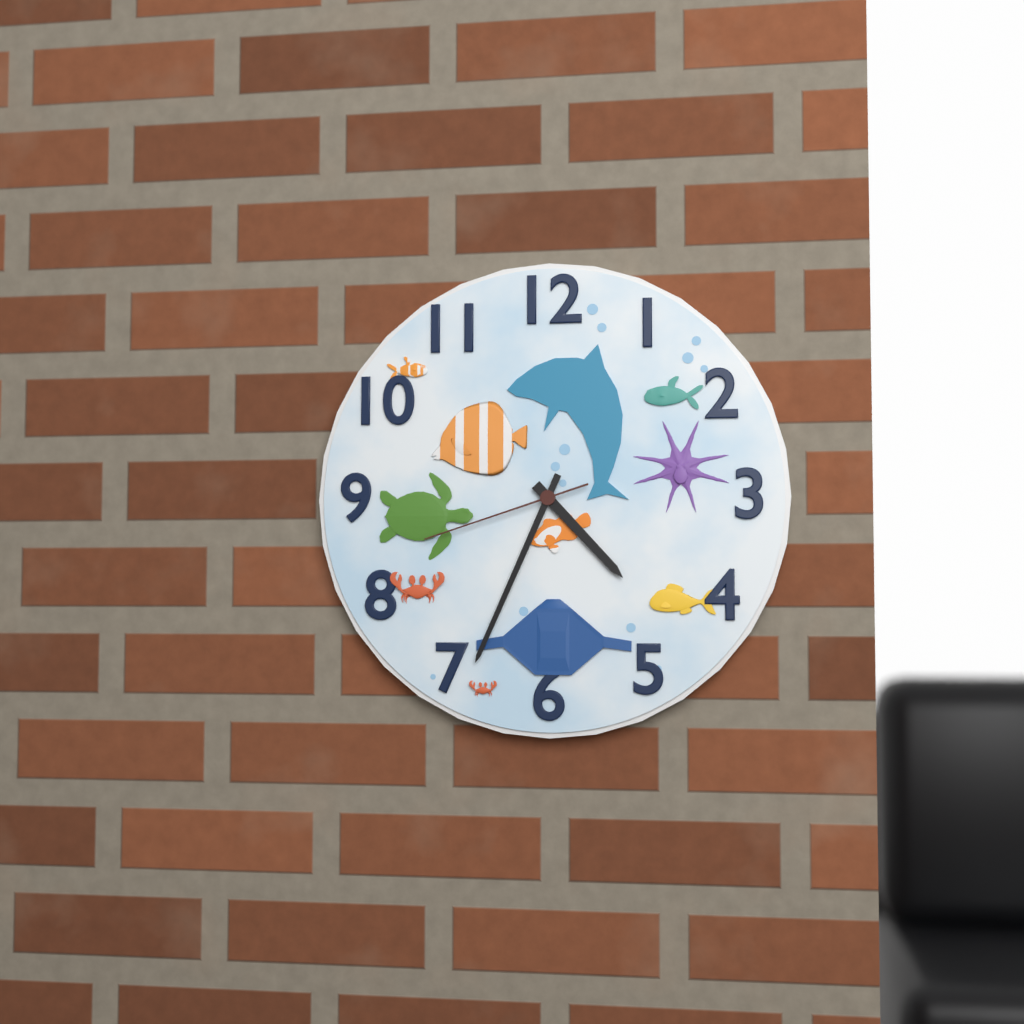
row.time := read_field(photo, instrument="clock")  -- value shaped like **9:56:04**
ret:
**4:34:42**
